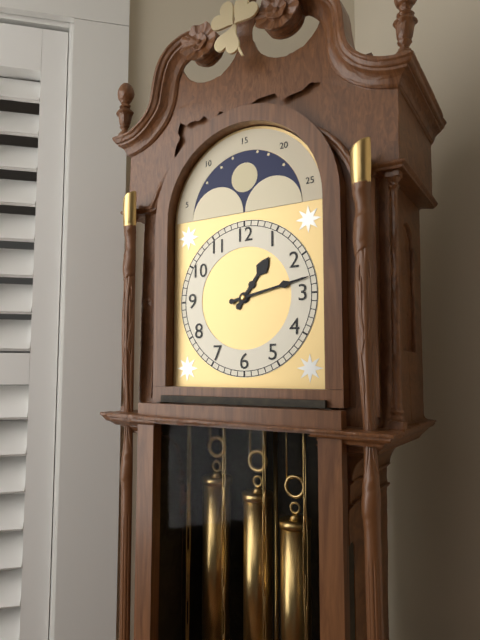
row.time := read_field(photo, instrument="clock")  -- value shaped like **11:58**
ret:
**1:13**
